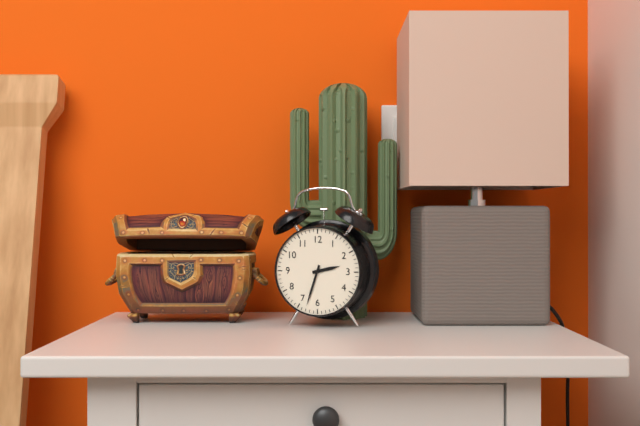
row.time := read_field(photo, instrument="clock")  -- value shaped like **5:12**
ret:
**2:33**
